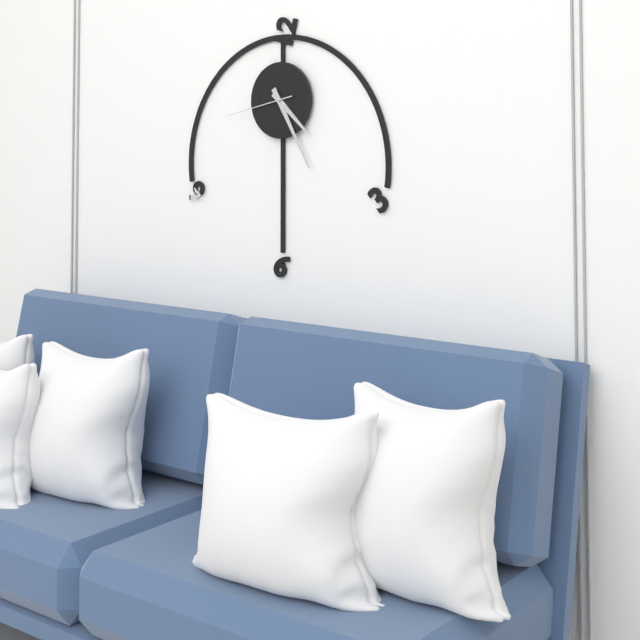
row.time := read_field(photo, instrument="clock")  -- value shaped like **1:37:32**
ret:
**4:25:43**
